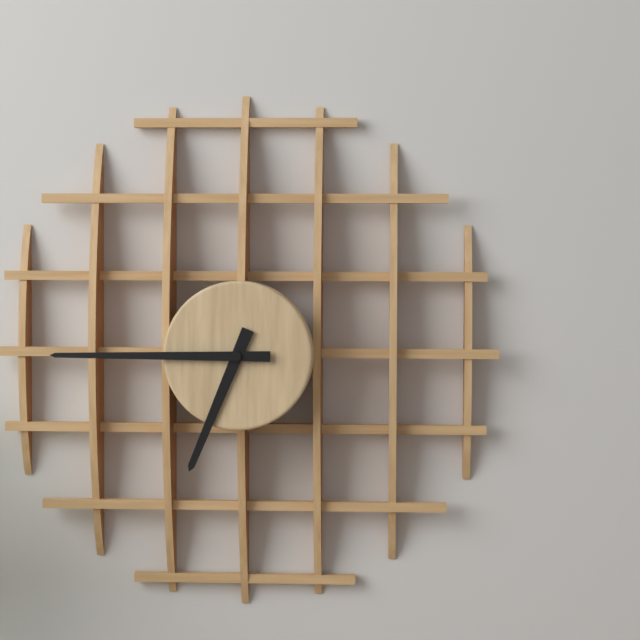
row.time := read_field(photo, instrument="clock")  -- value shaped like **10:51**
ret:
**6:45**
